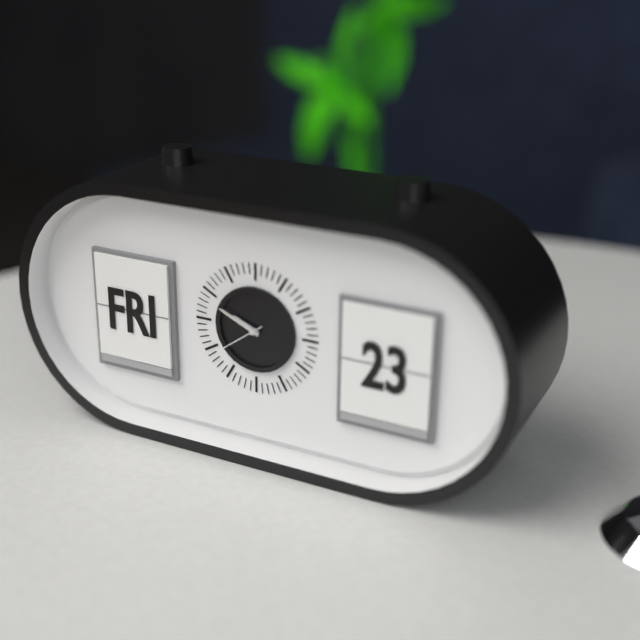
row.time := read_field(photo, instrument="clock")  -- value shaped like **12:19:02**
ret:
**9:49:39**
